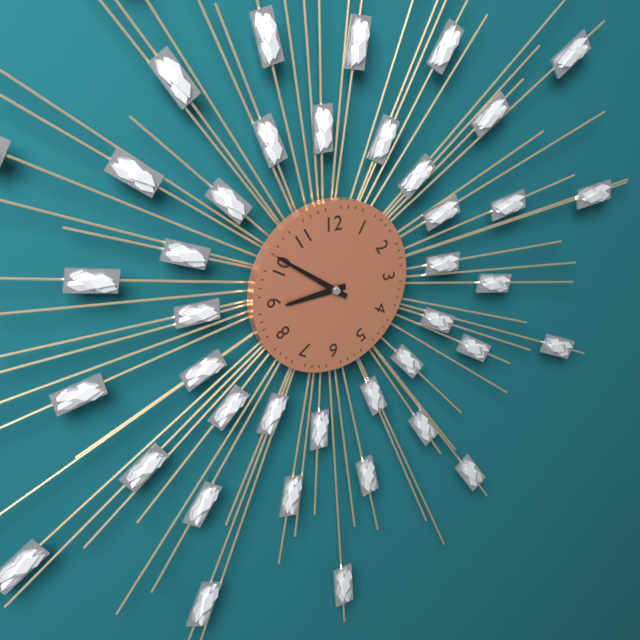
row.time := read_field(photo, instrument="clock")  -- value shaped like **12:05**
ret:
**8:51**
